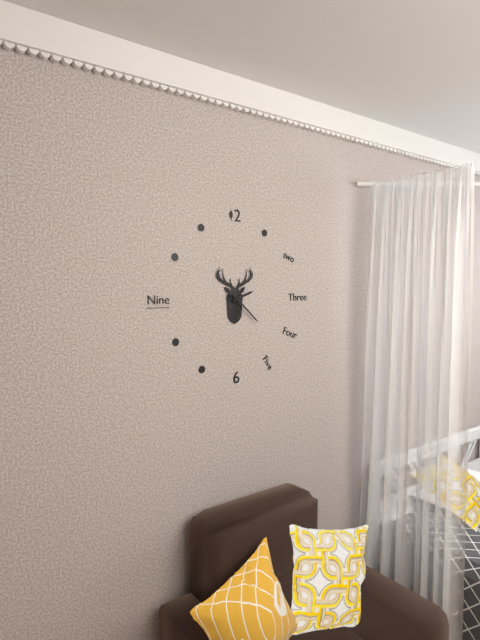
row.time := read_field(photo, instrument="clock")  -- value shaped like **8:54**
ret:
**2:22**
